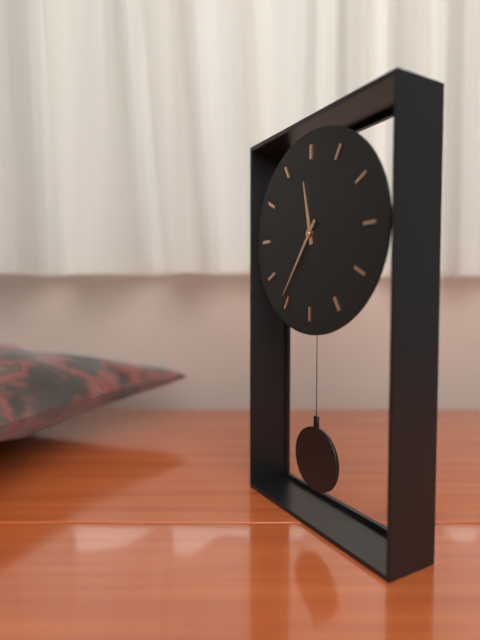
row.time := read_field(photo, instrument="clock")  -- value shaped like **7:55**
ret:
**11:36**
